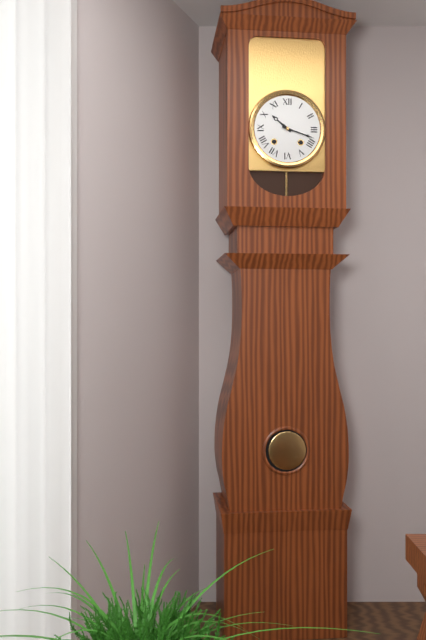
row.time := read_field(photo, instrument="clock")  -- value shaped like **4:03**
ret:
**10:18**
